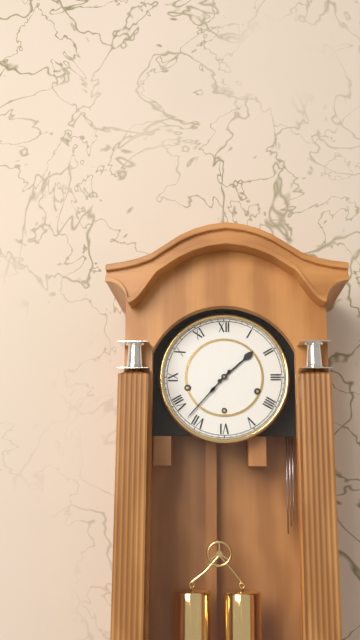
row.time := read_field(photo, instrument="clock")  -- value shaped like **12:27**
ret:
**1:37**
